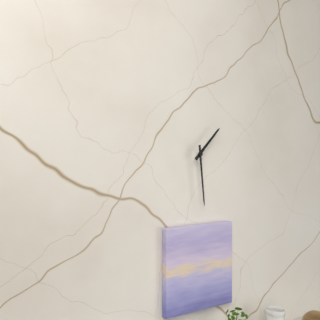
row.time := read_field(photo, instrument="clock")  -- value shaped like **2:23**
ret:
**1:29**
